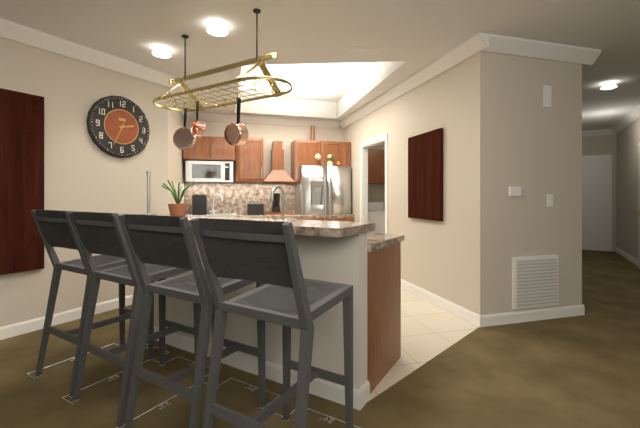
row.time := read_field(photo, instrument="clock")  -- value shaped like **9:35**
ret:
**2:34**
